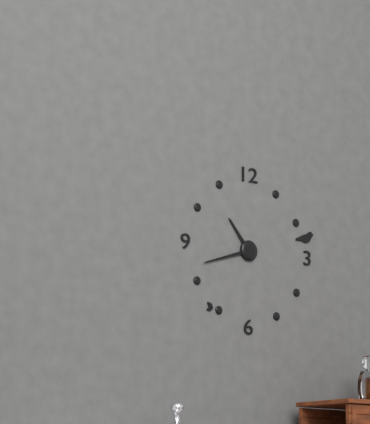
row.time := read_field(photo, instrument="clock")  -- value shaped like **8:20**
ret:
**10:42**
